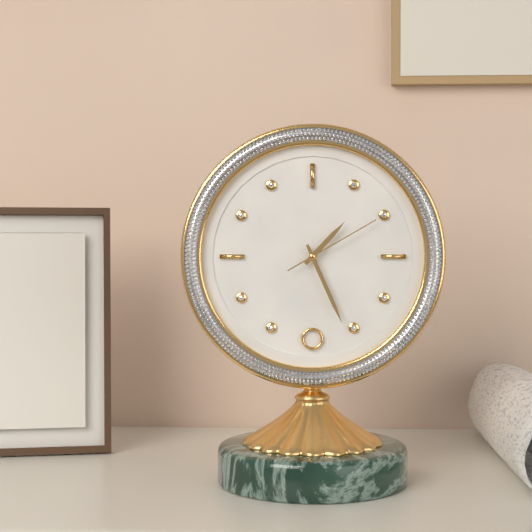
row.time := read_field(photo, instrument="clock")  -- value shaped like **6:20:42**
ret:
**1:26:10**
